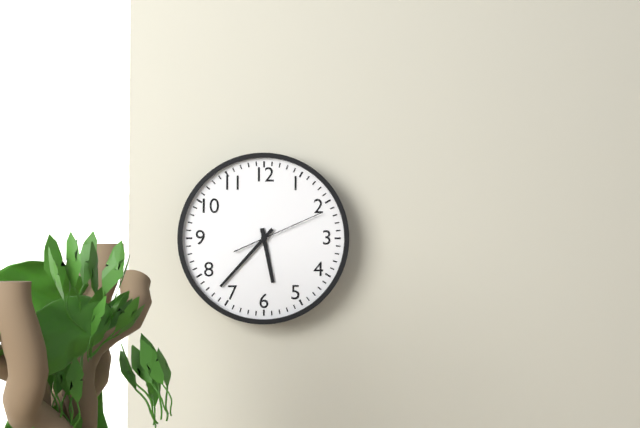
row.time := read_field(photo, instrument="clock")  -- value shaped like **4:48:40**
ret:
**5:37:11**
